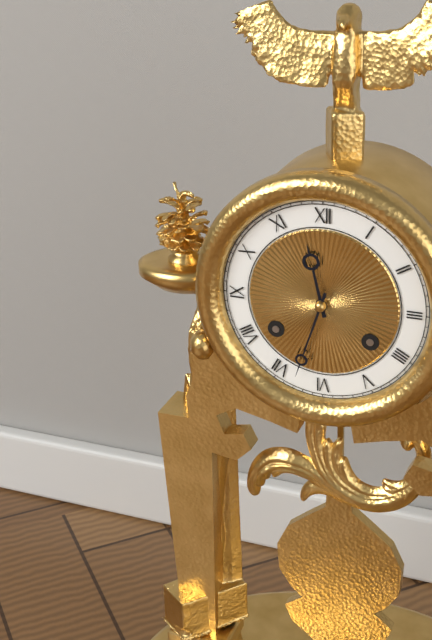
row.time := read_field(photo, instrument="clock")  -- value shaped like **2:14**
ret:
**11:33**
